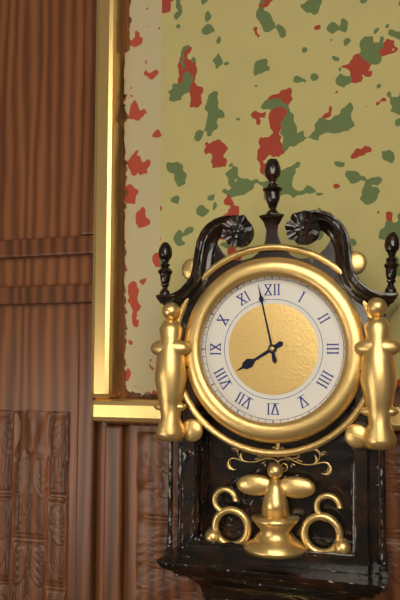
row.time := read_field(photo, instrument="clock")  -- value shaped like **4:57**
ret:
**7:58**
